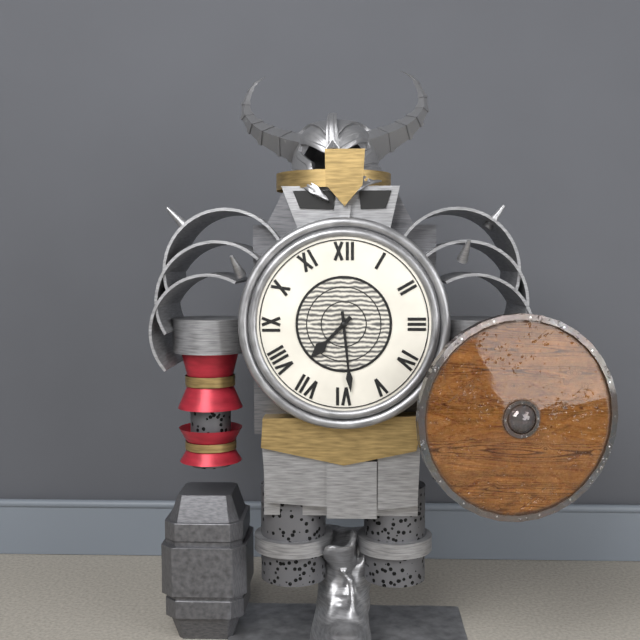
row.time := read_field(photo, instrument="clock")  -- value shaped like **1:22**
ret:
**7:29**
